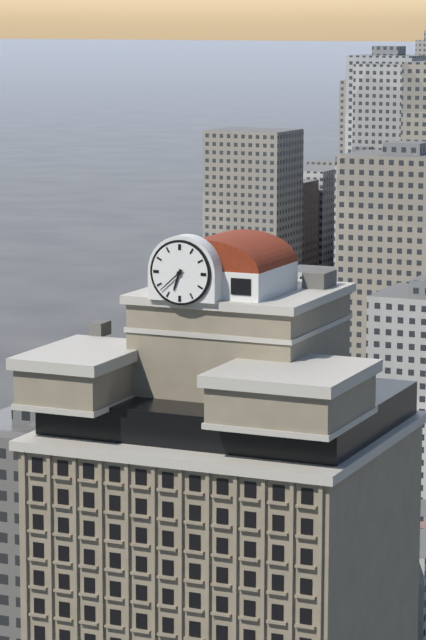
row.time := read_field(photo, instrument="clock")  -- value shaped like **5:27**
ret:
**6:38**
